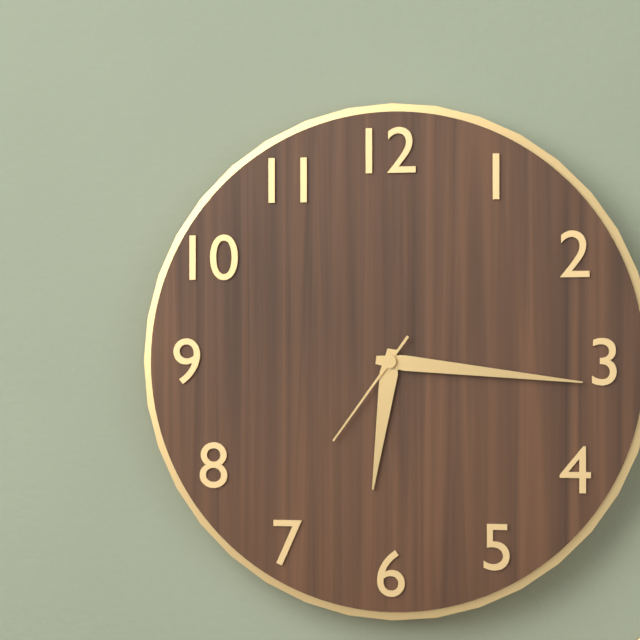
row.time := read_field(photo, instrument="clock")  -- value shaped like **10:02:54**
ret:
**6:16:36**
